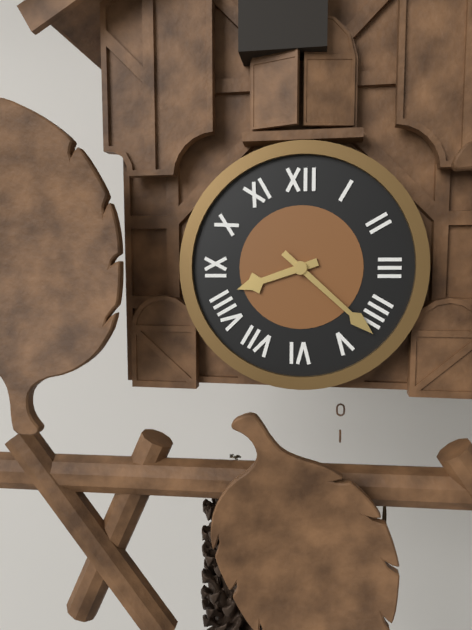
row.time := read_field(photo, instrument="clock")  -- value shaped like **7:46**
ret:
**8:22**
